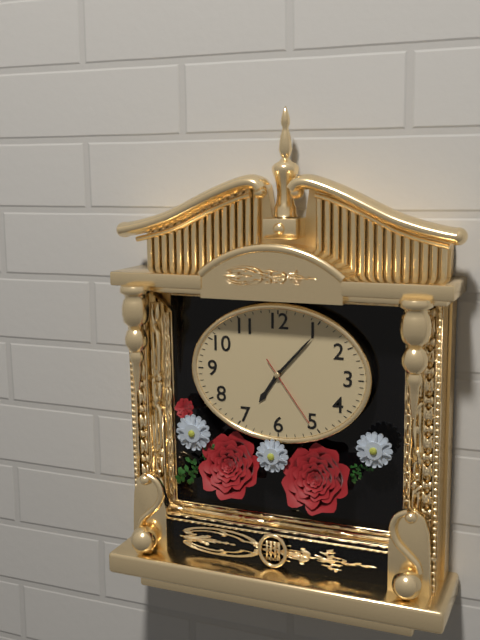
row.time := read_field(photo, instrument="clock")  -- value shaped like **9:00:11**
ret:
**7:07:24**
